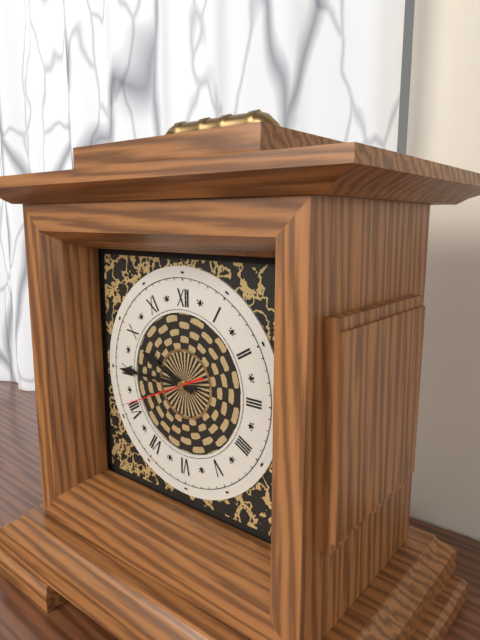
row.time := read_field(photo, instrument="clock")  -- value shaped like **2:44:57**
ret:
**9:45:41**
